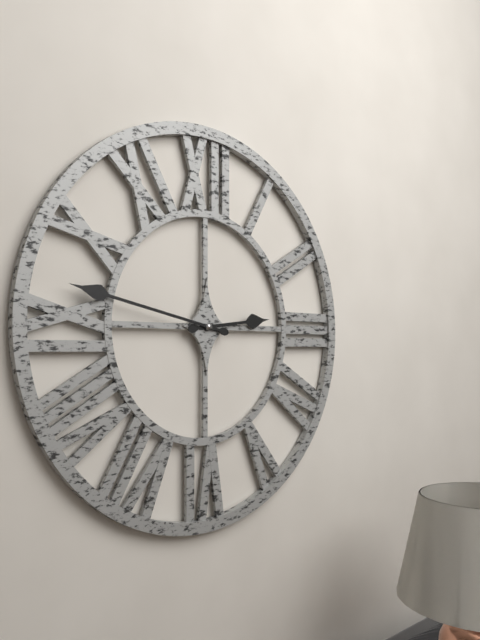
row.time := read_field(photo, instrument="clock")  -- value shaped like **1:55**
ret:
**2:47**
